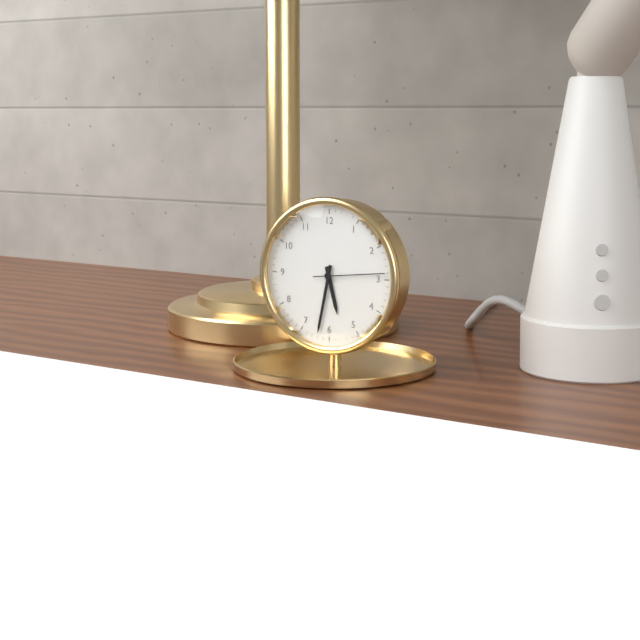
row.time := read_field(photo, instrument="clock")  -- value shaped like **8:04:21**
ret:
**5:32:14**
